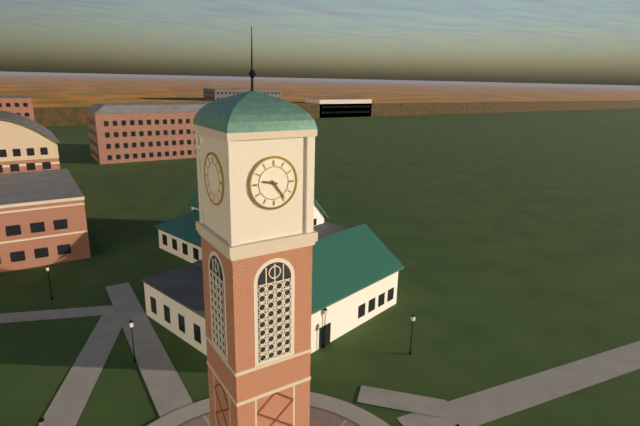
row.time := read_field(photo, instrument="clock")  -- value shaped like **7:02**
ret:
**9:24**
